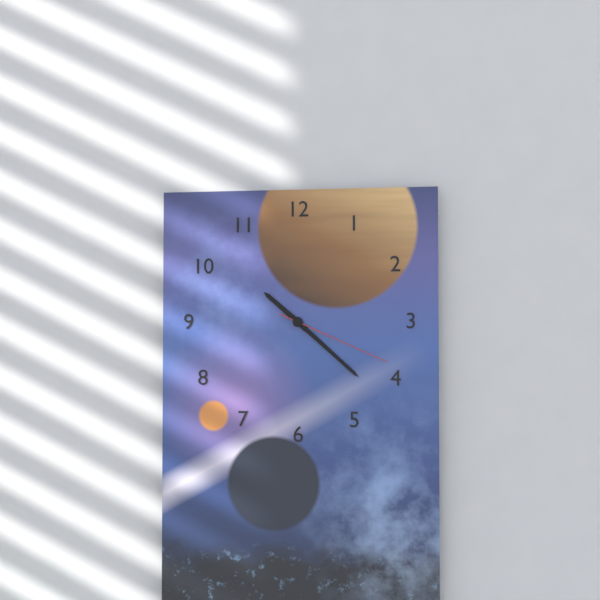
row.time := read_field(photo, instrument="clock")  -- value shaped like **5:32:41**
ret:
**10:22:19**
